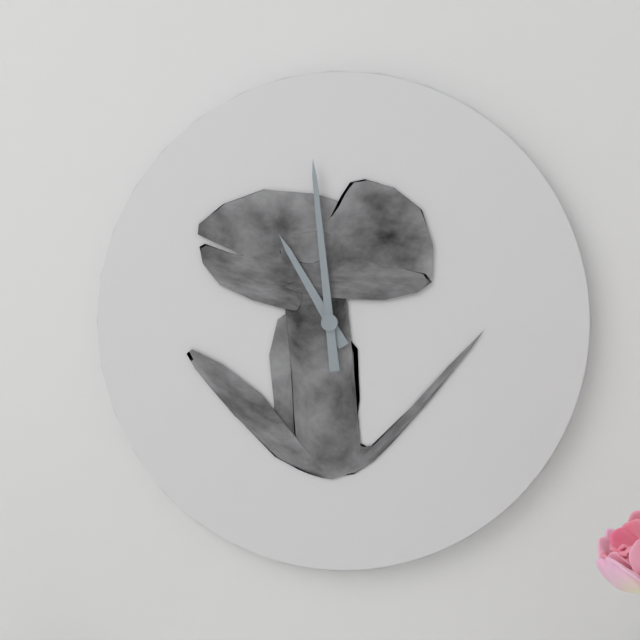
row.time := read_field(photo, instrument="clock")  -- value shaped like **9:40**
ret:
**10:59**
